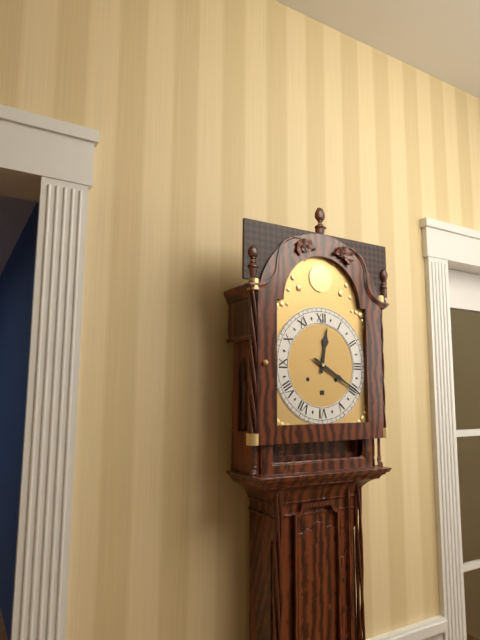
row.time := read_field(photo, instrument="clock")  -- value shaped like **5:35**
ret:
**12:20**
